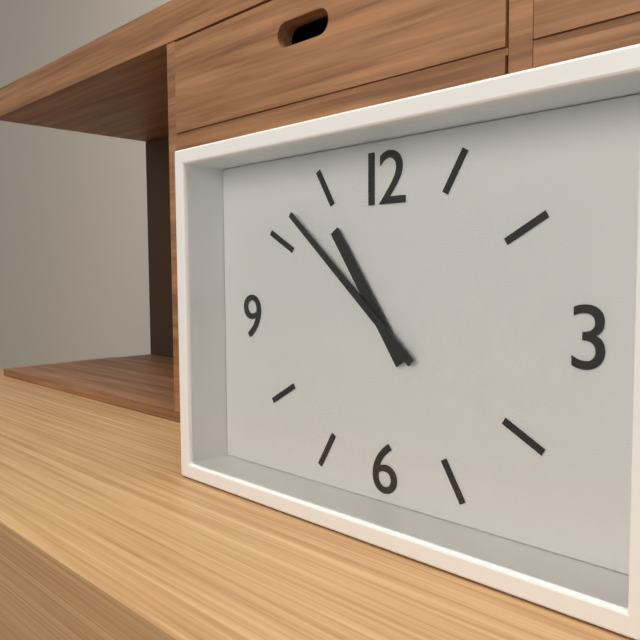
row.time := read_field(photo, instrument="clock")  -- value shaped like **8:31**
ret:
**10:52**
